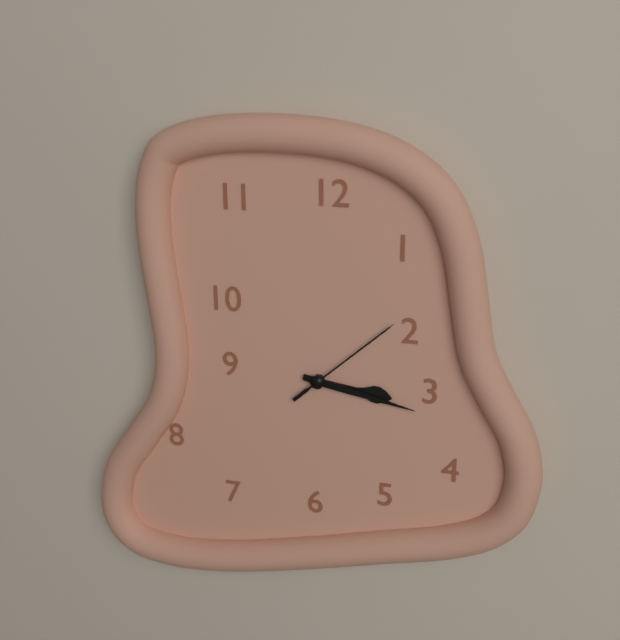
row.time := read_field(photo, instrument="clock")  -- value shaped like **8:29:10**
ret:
**3:17:08**
